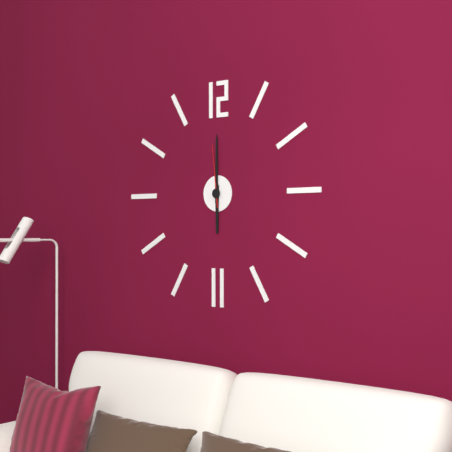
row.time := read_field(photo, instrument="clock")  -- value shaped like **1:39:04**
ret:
**6:00:59**
